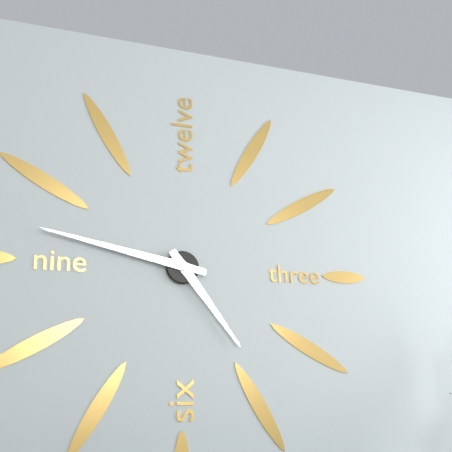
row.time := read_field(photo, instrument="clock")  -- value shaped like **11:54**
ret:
**4:47**
